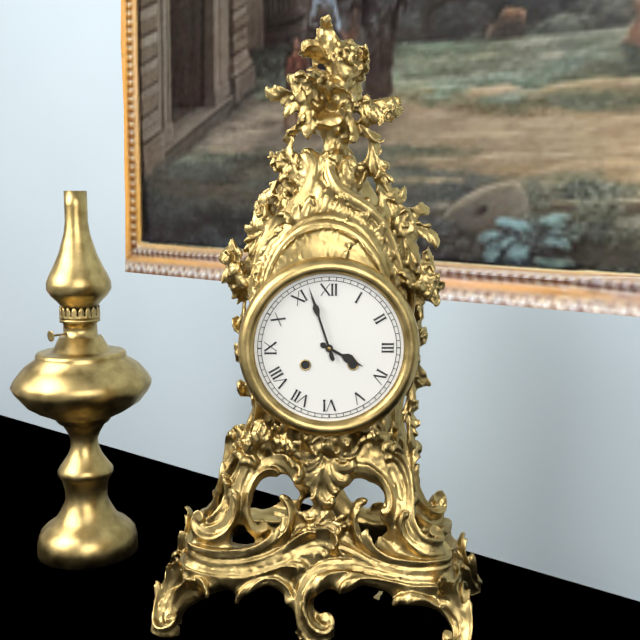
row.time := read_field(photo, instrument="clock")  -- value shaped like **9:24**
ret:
**3:57**
